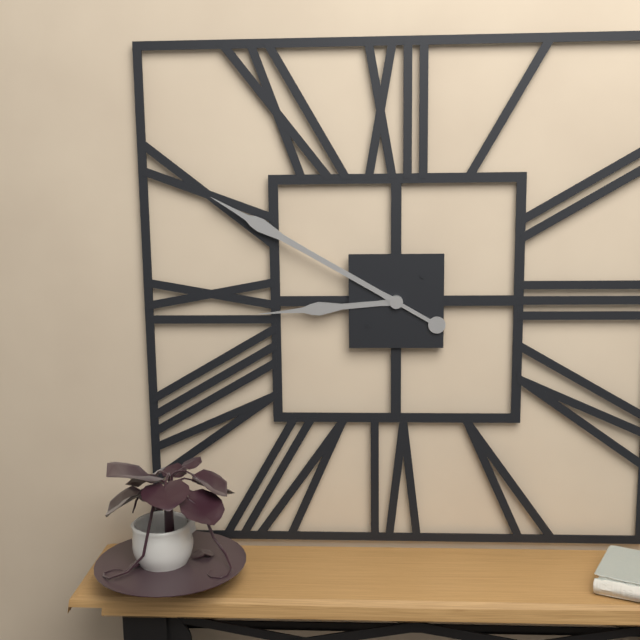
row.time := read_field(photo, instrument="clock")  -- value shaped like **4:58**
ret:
**8:50**
